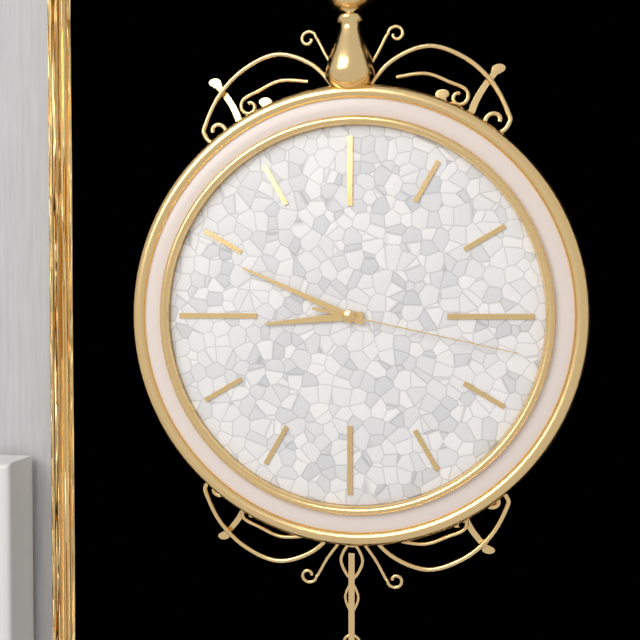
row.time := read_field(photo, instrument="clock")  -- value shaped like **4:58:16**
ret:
**8:49:17**
